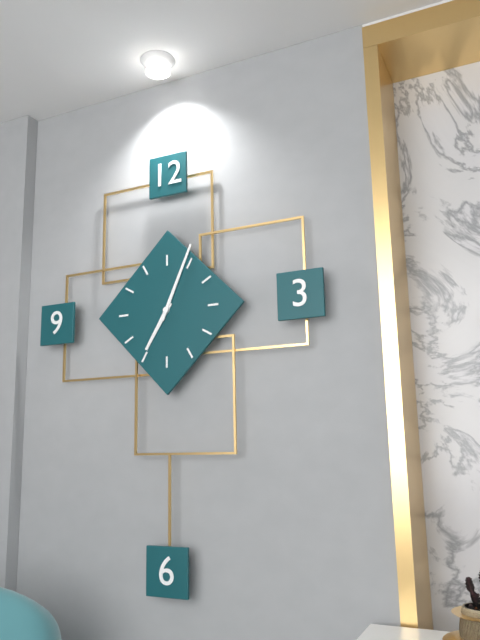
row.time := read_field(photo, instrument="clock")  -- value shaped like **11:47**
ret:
**7:04**
